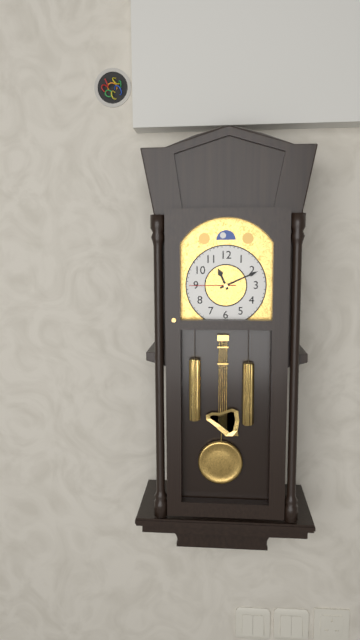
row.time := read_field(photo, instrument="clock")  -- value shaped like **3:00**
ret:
**11:11**
